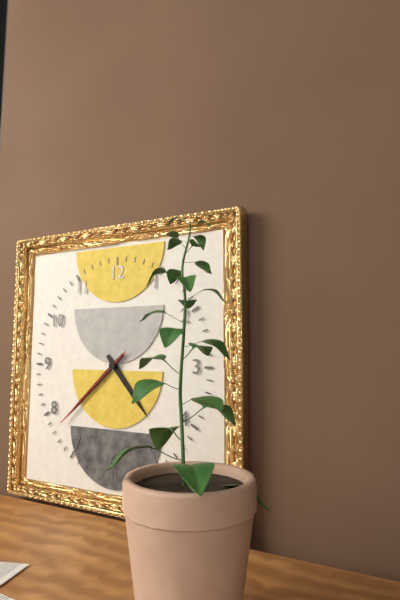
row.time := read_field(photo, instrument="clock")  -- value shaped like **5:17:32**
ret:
**4:38:38**
